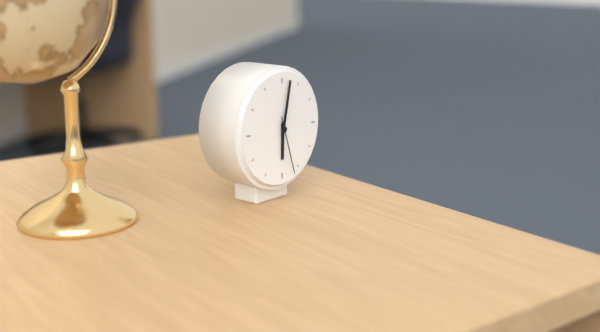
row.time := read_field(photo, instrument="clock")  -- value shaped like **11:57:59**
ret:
**6:02:27**
